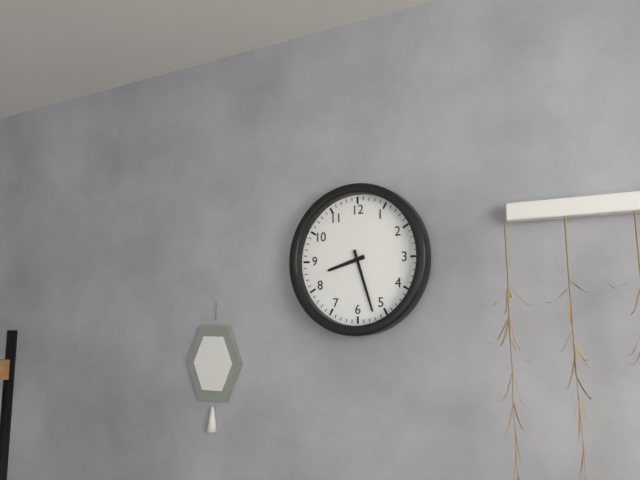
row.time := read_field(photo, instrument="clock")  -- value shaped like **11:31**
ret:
**8:27**
